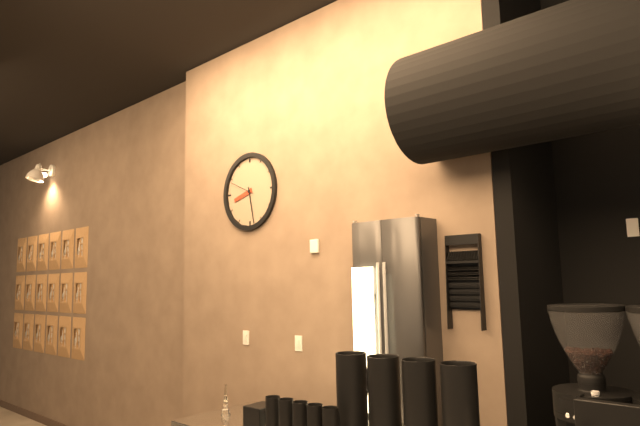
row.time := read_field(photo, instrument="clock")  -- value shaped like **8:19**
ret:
**8:28**
